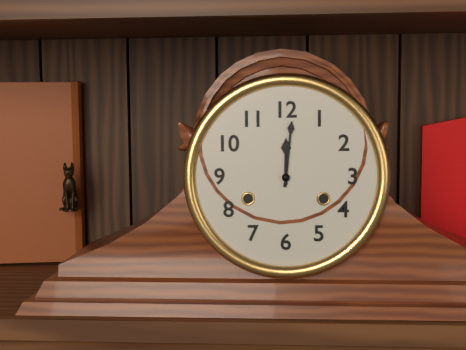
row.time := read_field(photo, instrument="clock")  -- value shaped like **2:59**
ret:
**12:01**
